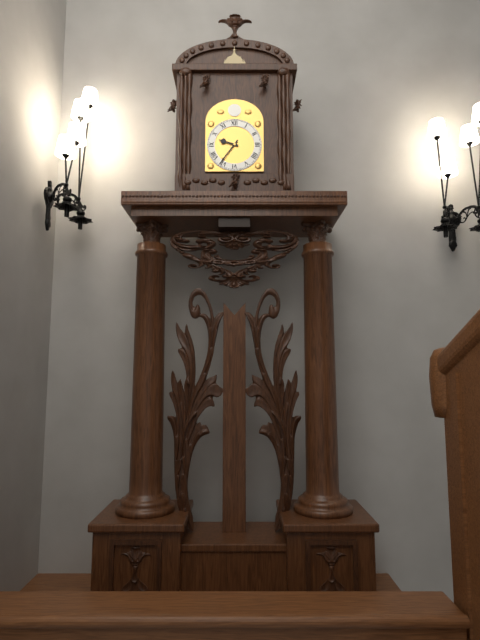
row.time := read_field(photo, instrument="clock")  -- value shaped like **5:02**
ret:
**9:36**
